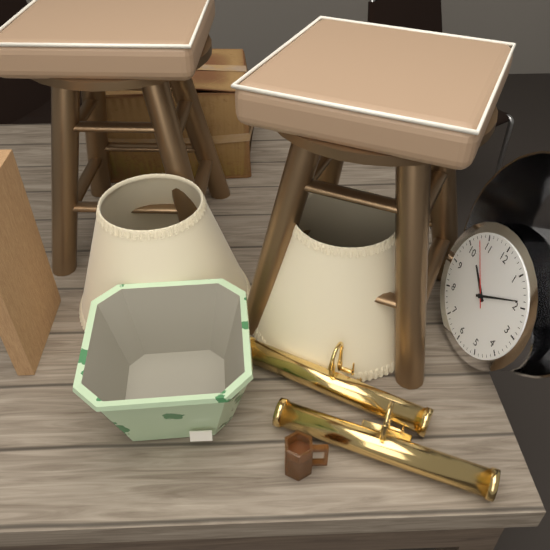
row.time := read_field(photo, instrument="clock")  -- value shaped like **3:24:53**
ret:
**10:09:53**
